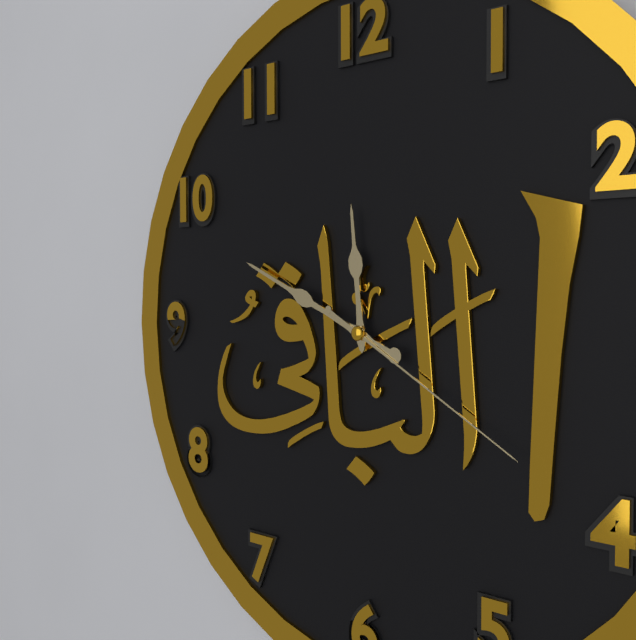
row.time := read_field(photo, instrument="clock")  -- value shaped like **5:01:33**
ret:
**11:49:20**
